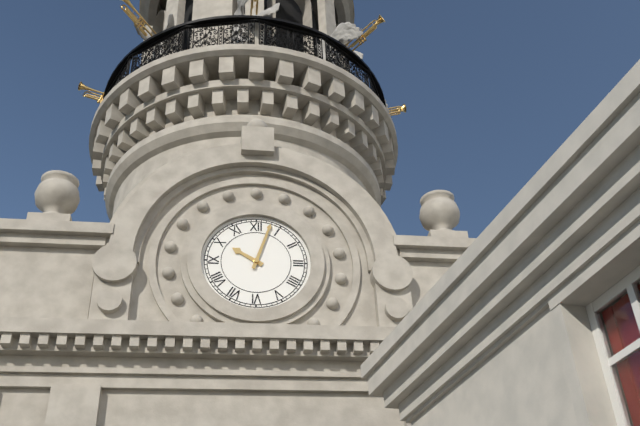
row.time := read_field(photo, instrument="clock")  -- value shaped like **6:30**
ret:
**10:03**
